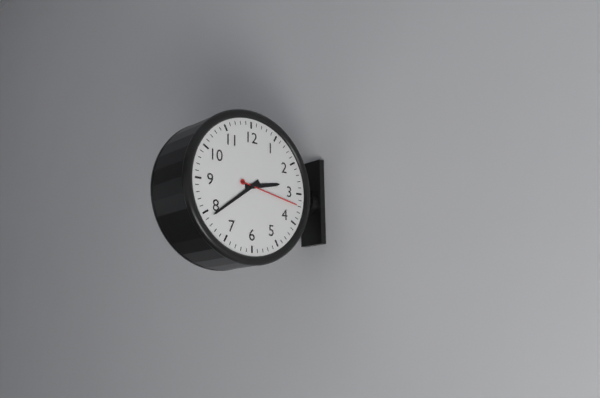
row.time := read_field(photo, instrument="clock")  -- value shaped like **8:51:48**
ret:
**2:39:17**
